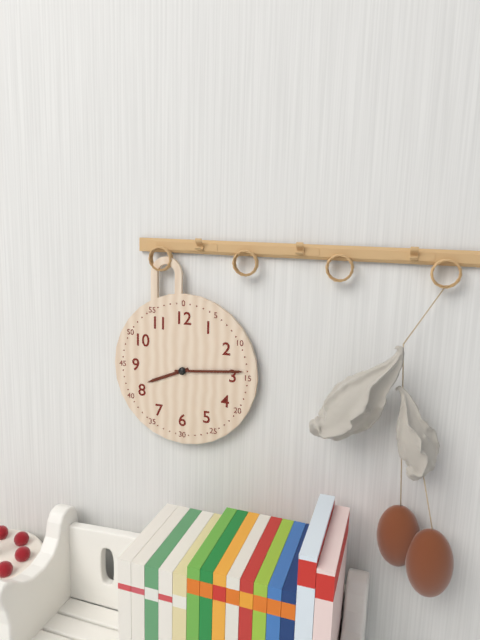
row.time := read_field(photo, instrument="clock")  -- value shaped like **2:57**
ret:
**8:14**
